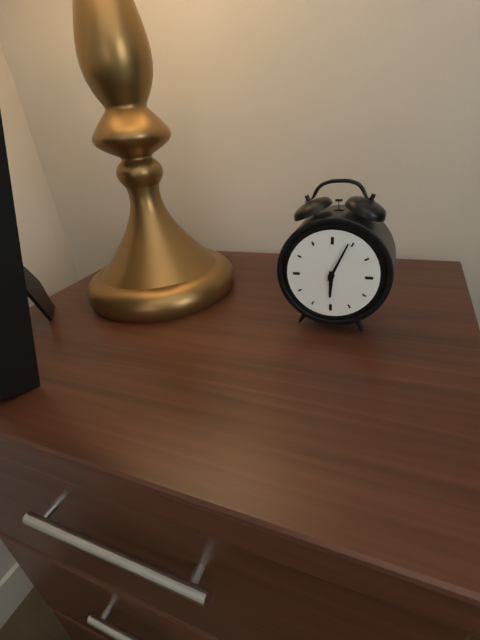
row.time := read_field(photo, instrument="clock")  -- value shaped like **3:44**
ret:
**6:04**
